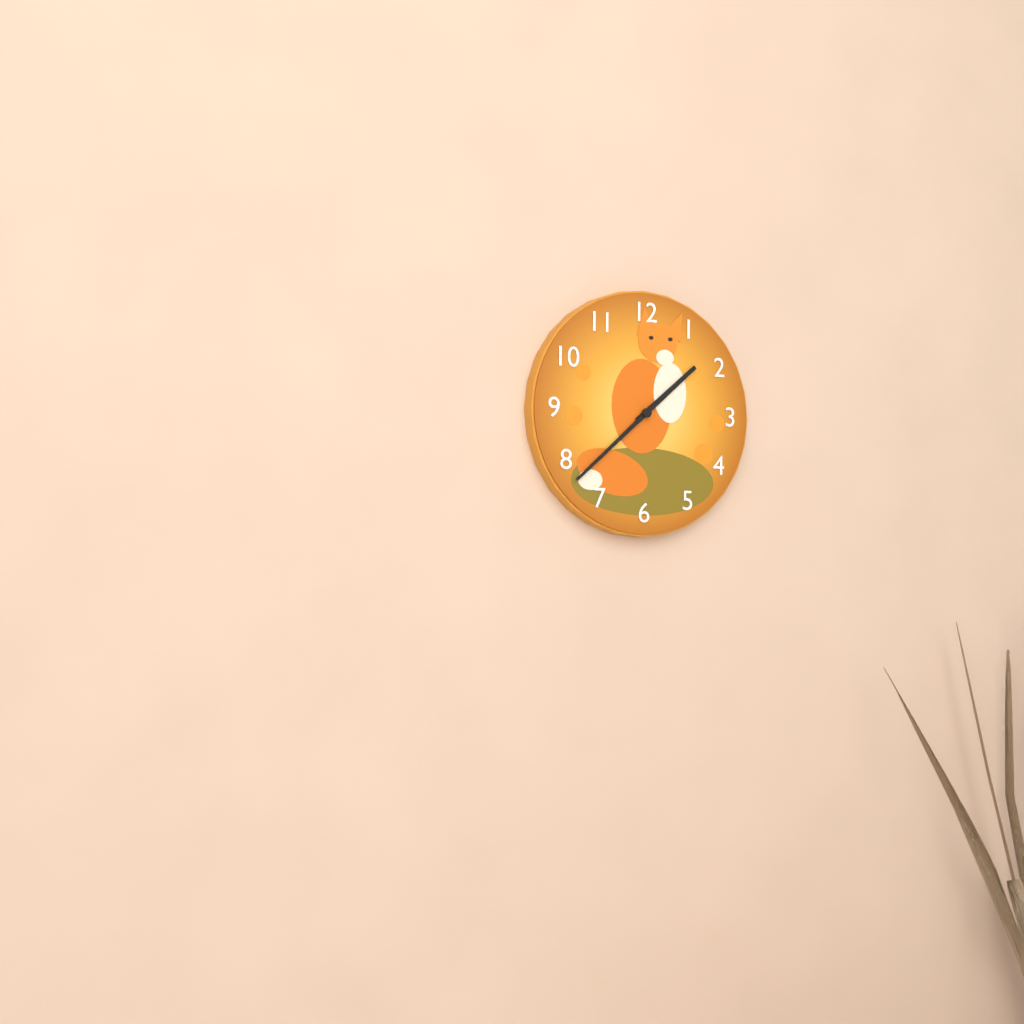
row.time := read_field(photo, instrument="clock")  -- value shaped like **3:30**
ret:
**1:38**
